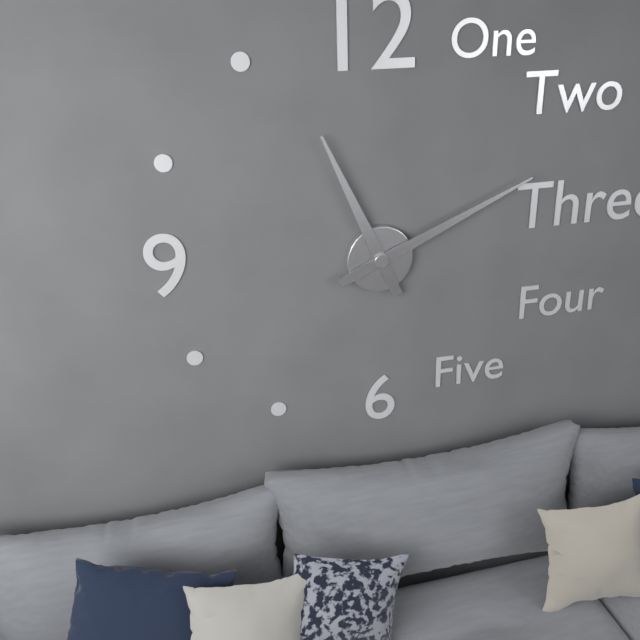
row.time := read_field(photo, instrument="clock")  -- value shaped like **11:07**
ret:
**11:11**
